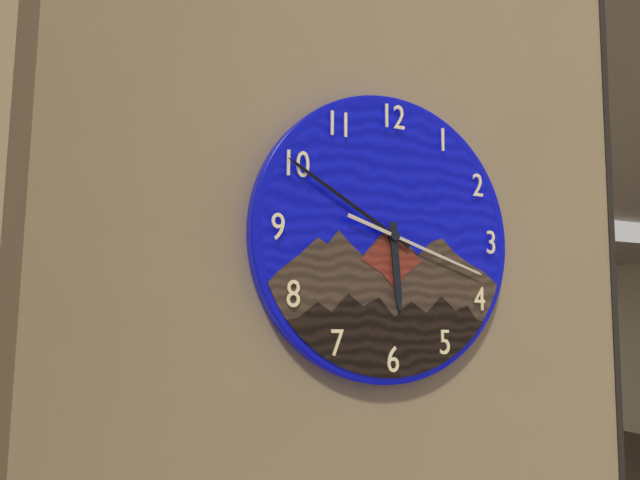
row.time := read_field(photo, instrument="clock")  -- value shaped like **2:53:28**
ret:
**5:50:18**
